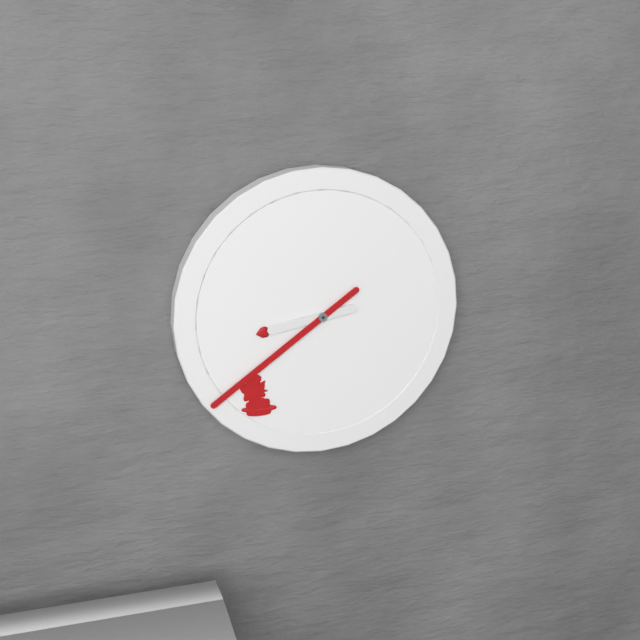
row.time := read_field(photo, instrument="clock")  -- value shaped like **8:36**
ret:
**8:39**
